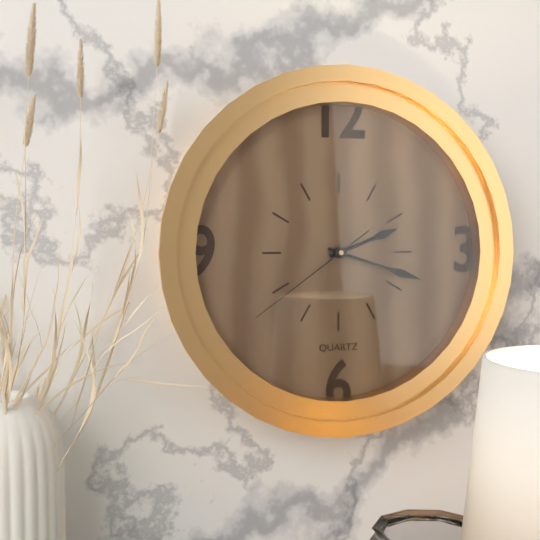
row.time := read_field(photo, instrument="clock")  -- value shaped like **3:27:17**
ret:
**2:18:39**
